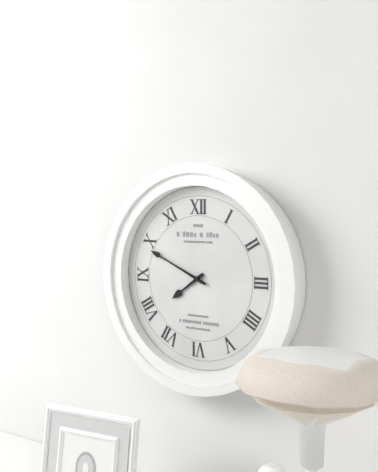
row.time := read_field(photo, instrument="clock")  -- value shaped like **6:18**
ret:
**7:49**
